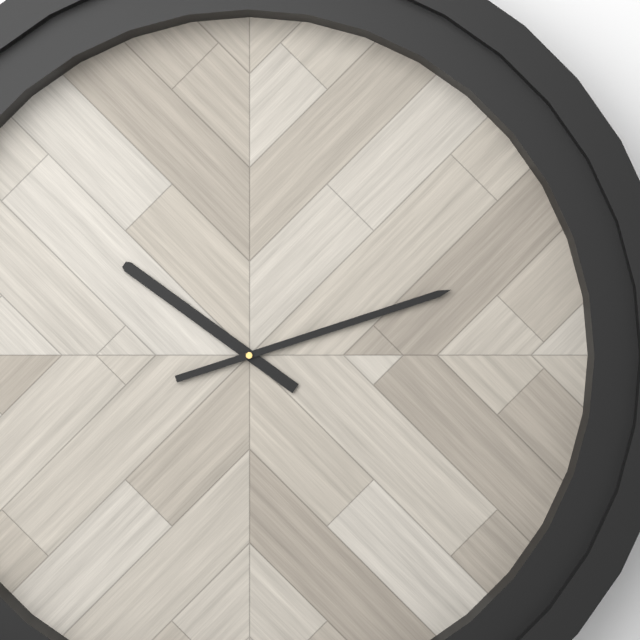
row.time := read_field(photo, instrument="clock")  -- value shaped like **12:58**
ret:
**10:12**
